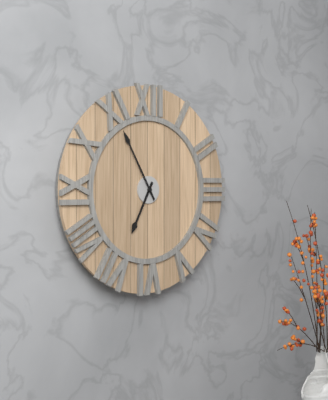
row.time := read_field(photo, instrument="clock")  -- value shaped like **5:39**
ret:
**6:55**
